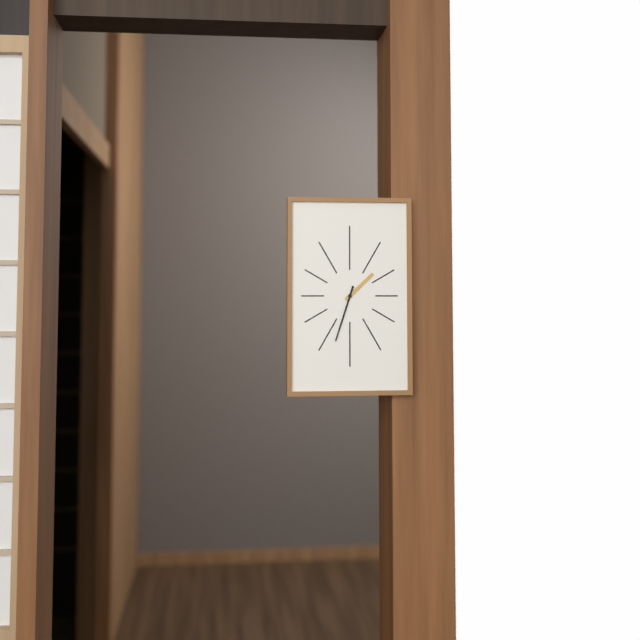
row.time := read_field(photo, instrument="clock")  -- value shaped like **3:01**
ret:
**1:33**
